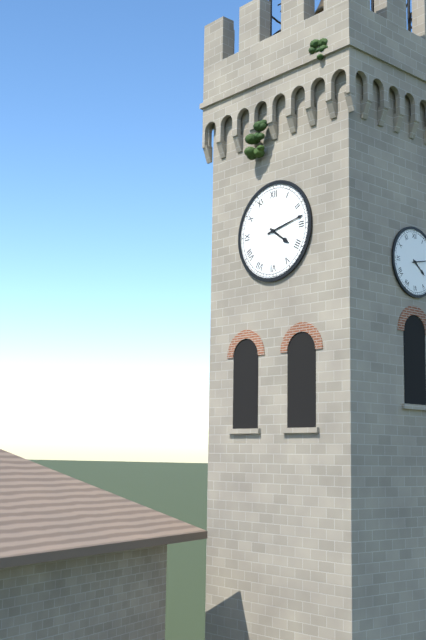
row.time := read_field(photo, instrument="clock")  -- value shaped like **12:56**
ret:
**4:13**
